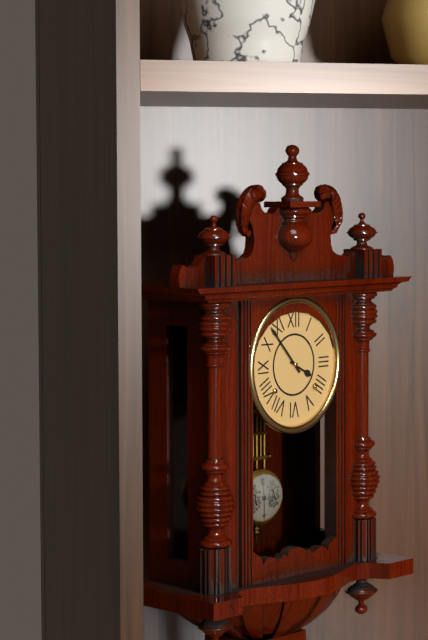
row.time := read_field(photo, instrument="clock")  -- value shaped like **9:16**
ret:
**3:53**
